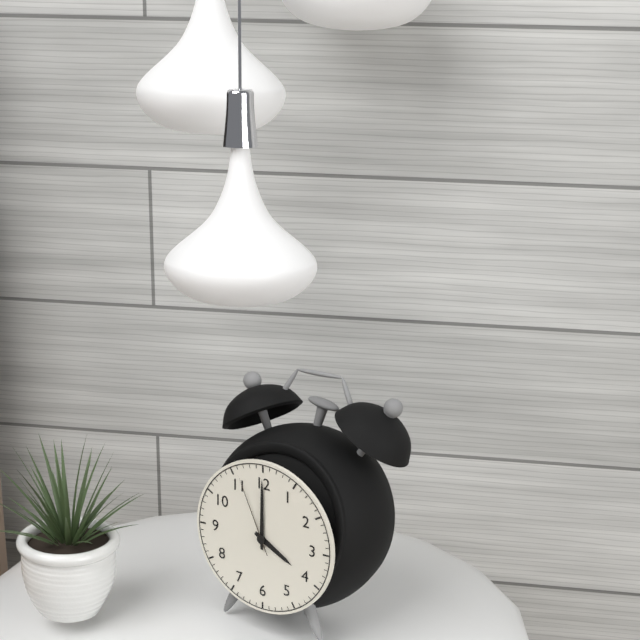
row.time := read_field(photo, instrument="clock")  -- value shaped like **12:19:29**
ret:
**4:00:56**
